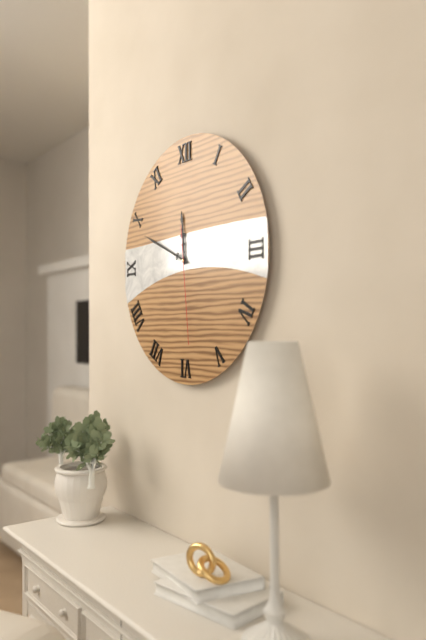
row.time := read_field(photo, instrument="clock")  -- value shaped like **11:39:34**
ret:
**11:49:29**
